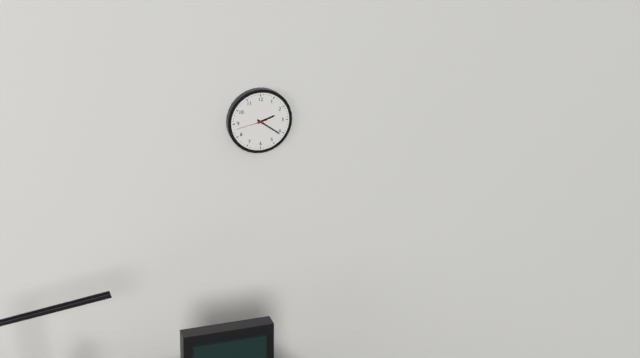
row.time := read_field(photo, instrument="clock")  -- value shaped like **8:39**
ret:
**2:21**
